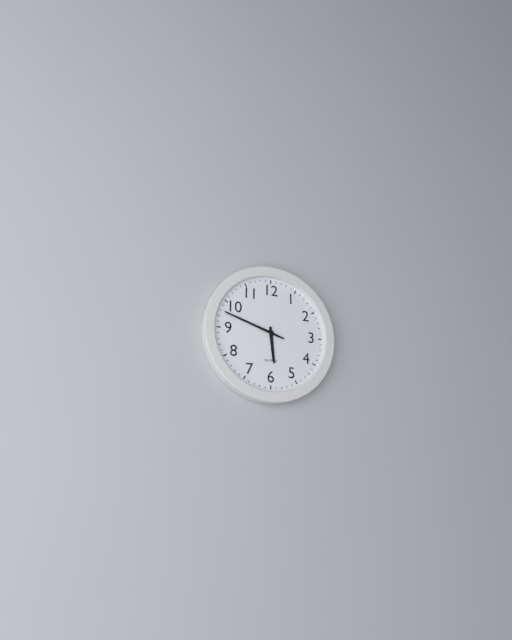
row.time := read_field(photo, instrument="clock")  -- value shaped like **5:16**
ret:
**5:48**
